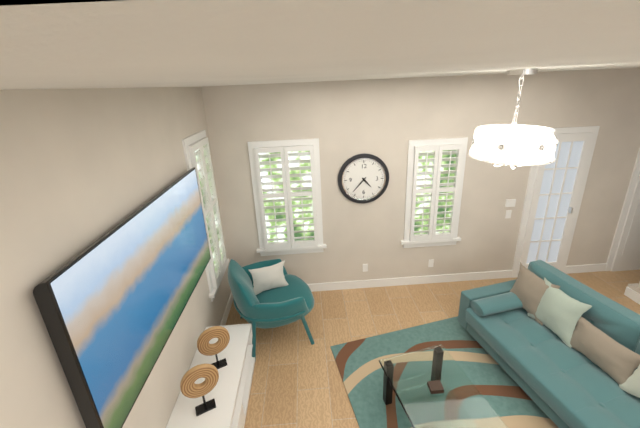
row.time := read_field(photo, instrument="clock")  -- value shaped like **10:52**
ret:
**4:37**
